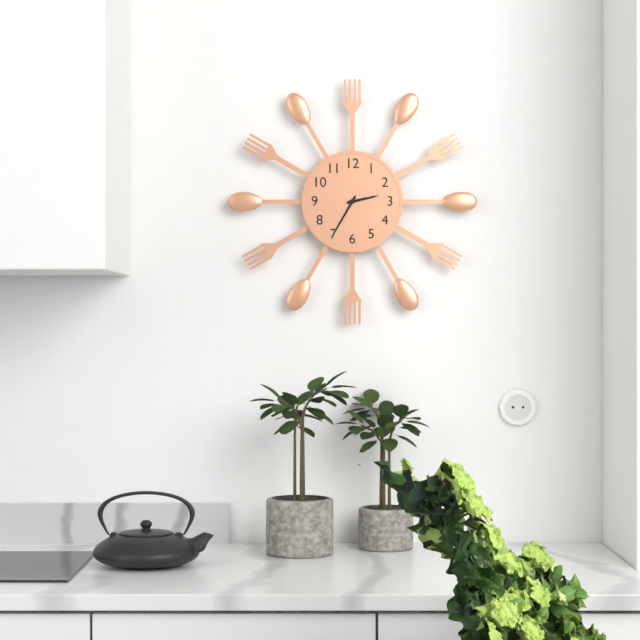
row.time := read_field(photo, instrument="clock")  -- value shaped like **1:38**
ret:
**2:35**
